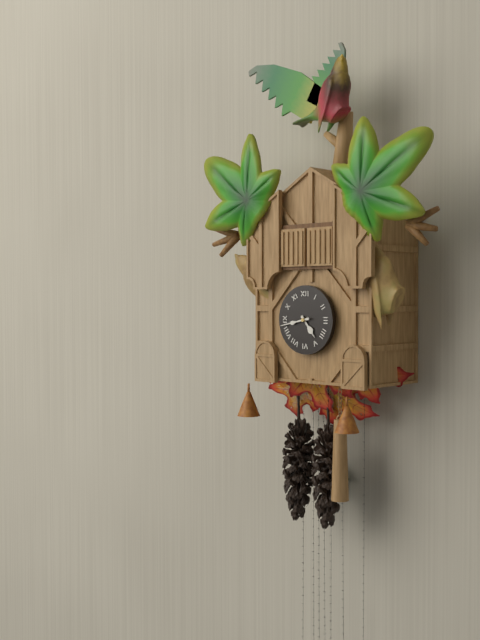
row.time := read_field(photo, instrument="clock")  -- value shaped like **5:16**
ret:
**4:43**
